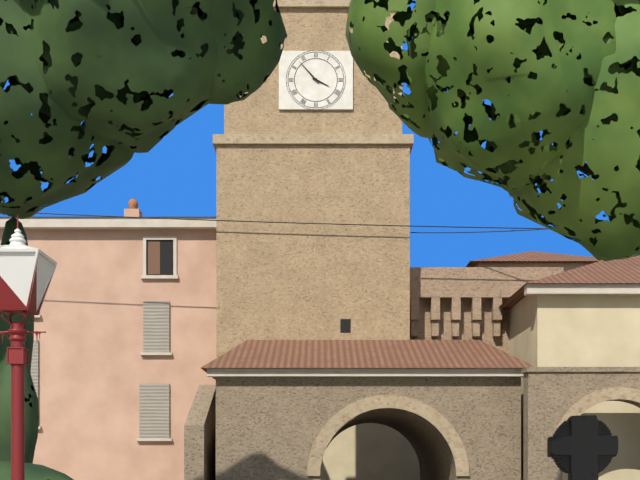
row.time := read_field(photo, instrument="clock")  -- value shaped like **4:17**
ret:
**3:53**
